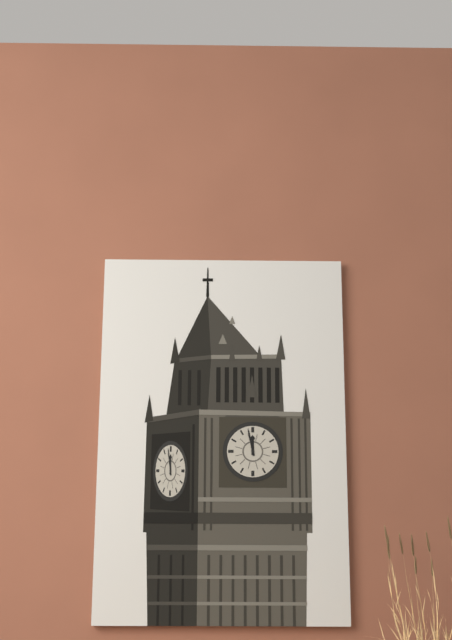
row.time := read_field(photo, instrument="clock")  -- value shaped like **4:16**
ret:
**11:58**
